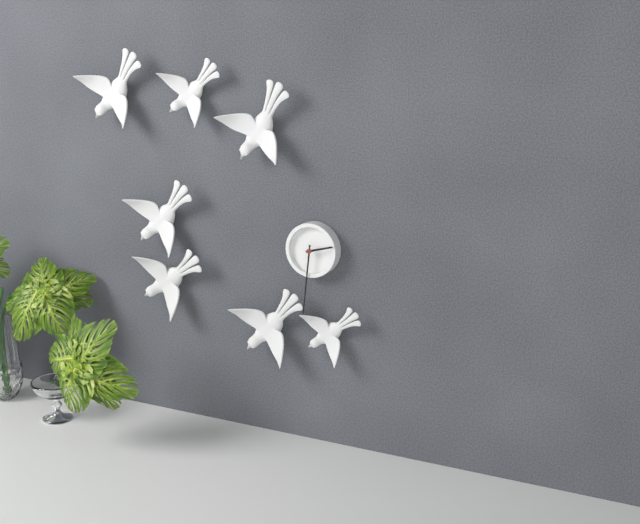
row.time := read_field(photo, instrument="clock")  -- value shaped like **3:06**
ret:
**2:31**
